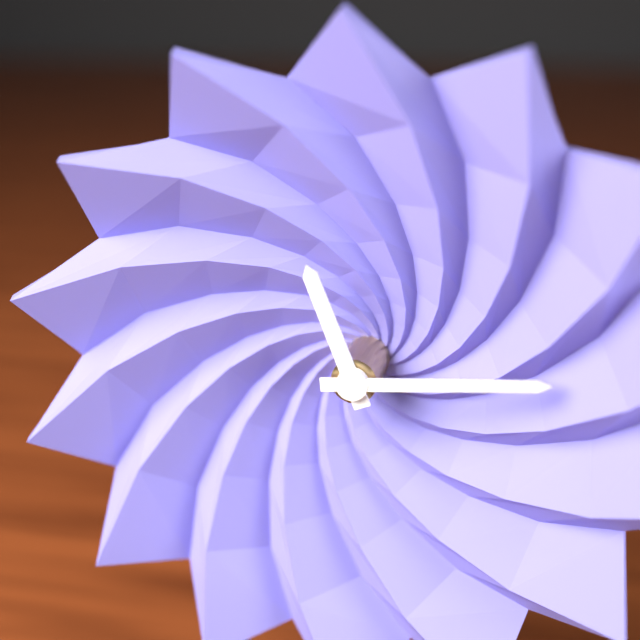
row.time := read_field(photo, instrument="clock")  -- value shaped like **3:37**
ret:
**11:14**
